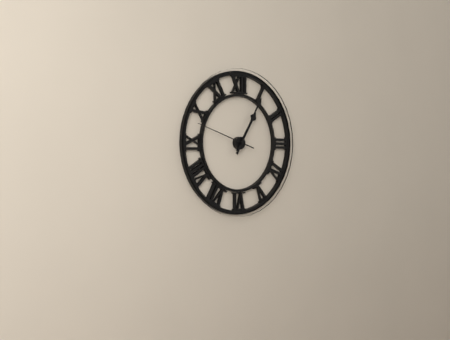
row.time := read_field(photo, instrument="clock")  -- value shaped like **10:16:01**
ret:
**1:05:48**
